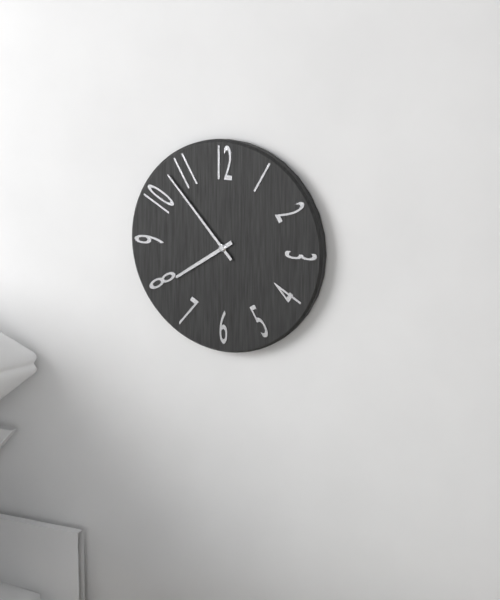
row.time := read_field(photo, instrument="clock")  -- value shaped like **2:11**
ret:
**7:53**
